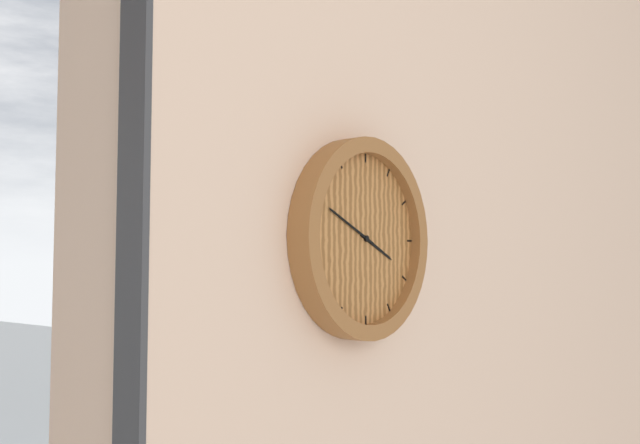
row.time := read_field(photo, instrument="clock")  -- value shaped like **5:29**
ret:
**3:49**
